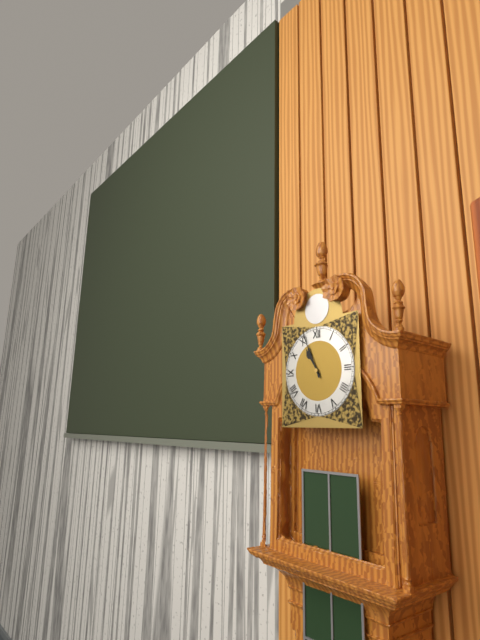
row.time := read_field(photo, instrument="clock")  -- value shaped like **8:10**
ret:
**10:56**
